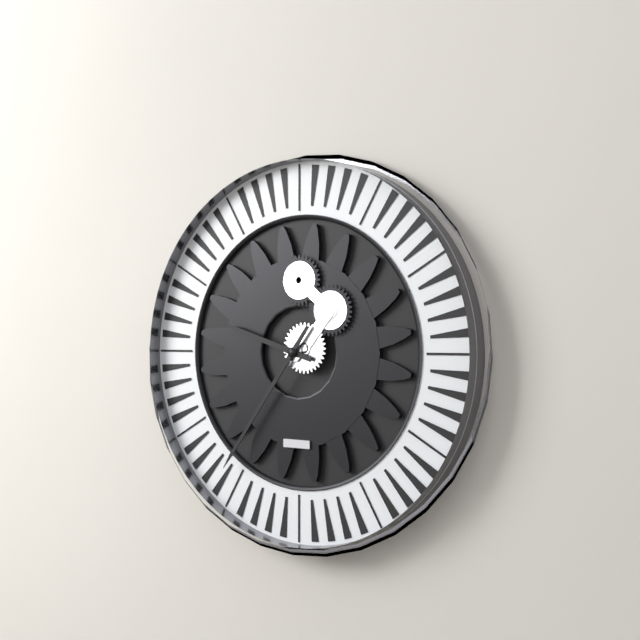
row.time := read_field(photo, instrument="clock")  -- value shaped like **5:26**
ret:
**9:36**
